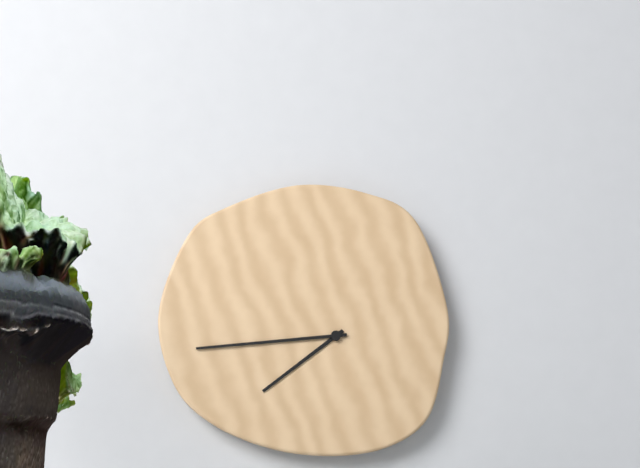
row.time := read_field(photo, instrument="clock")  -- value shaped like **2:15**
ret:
**7:44**
